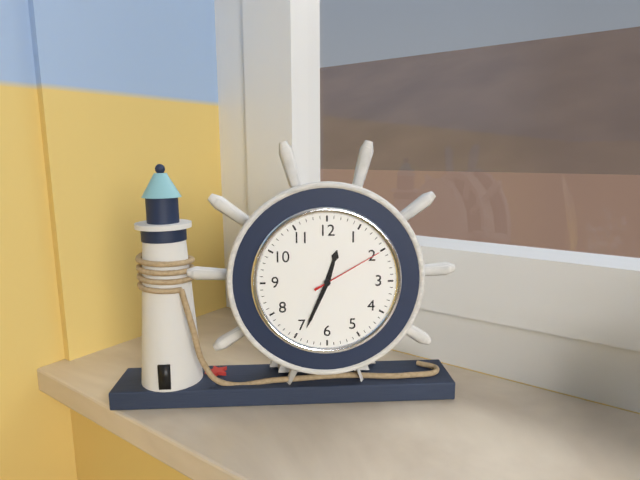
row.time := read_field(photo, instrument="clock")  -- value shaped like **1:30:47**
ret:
**12:34:10**
